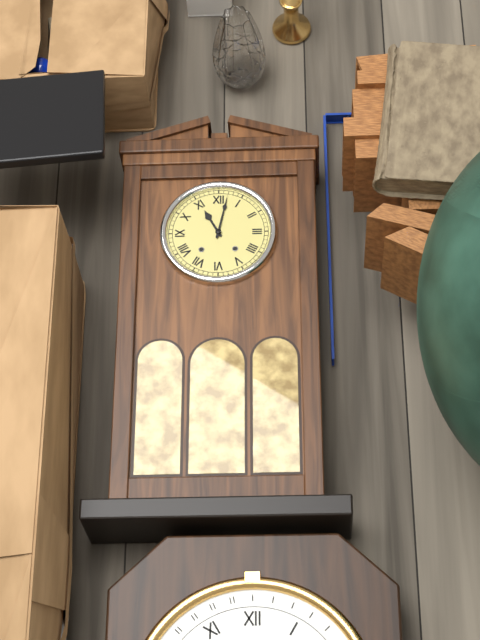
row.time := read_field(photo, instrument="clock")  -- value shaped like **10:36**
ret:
**11:02**
